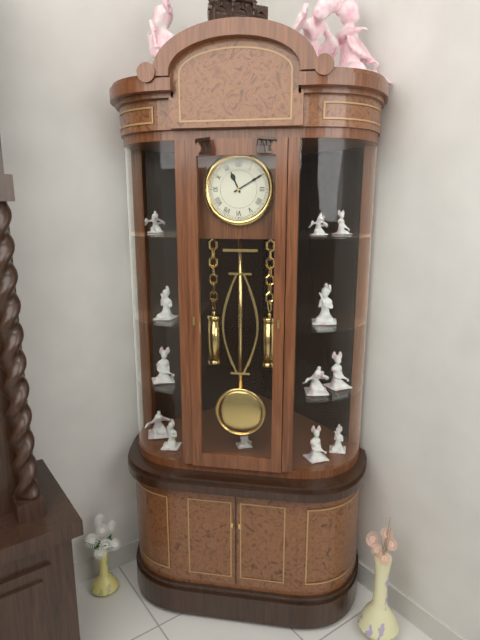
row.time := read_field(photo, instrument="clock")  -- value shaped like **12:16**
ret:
**11:10**
